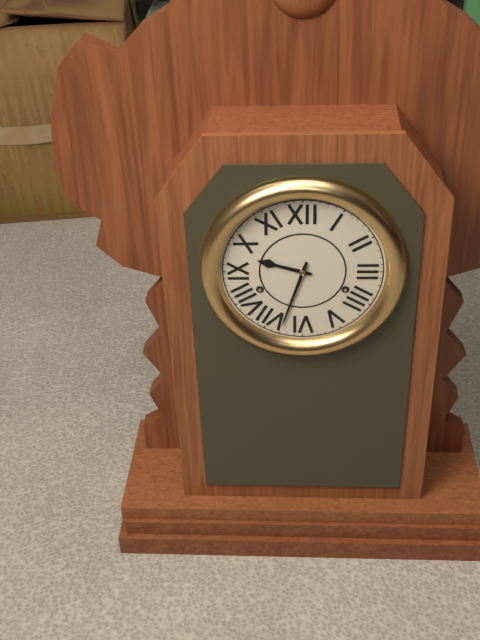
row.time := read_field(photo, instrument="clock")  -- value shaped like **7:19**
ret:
**9:33**
